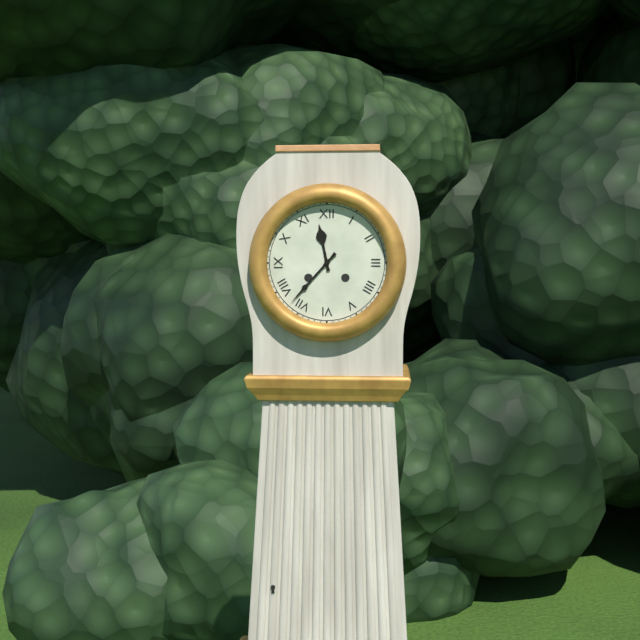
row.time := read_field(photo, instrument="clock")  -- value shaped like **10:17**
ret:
**11:37**
